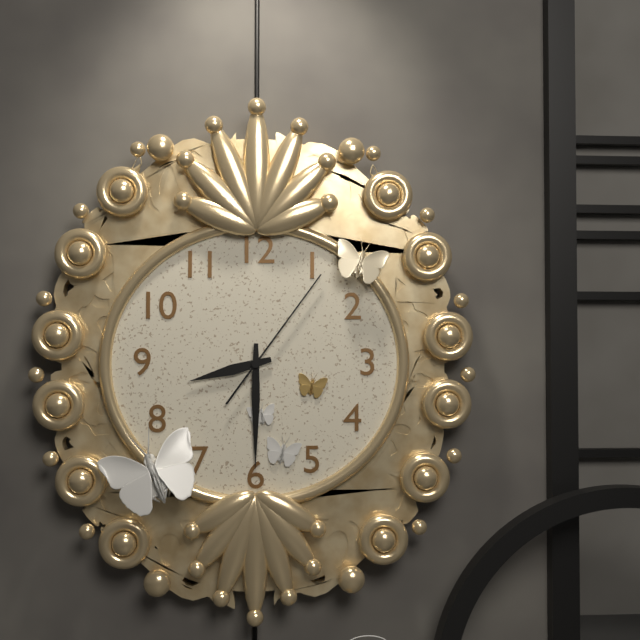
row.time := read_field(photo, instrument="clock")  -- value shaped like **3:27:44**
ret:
**8:30:06**
